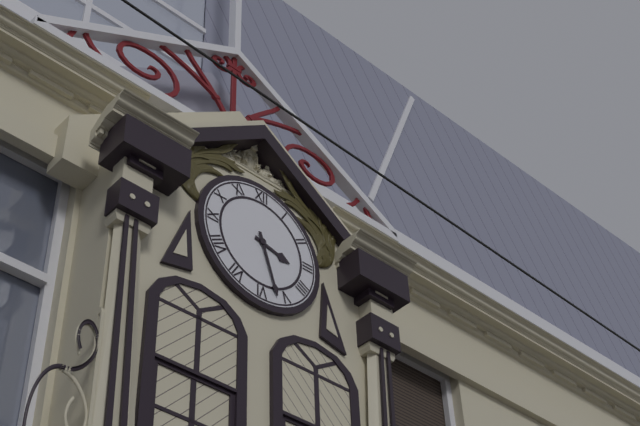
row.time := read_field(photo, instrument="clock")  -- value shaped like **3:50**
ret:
**3:27**
